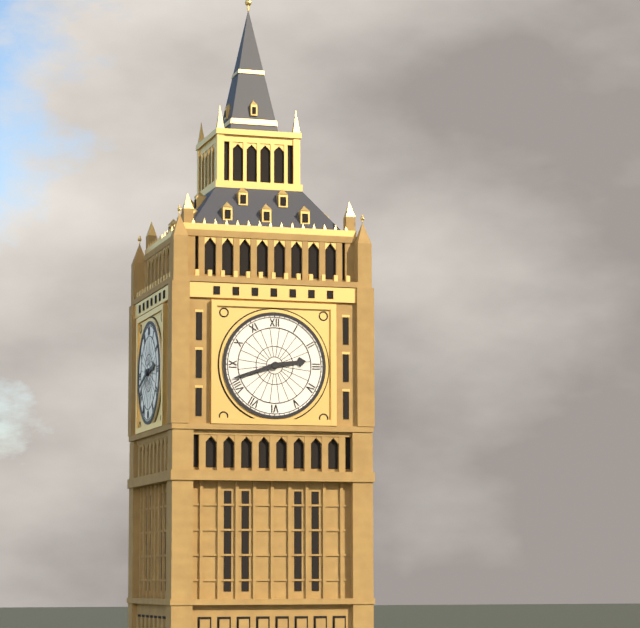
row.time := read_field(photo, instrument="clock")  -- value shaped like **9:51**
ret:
**2:42**
